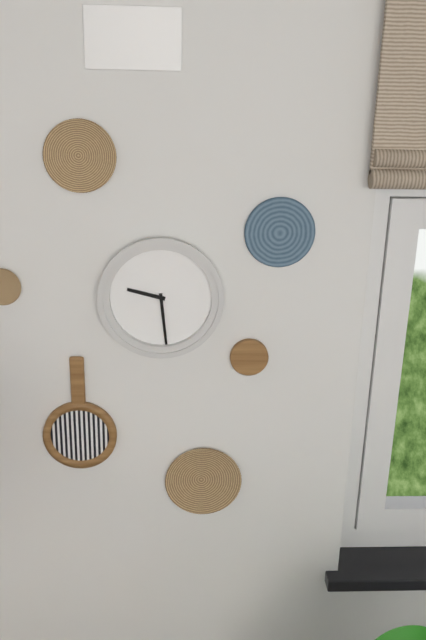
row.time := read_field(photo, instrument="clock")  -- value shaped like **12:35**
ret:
**9:29**
